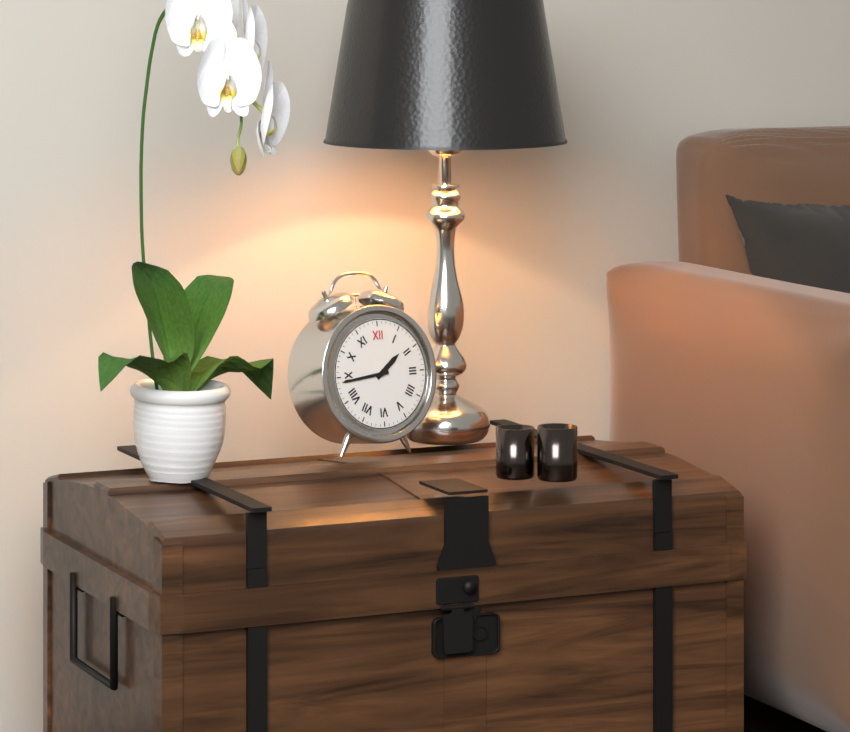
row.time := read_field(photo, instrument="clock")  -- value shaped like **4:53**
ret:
**1:44**
